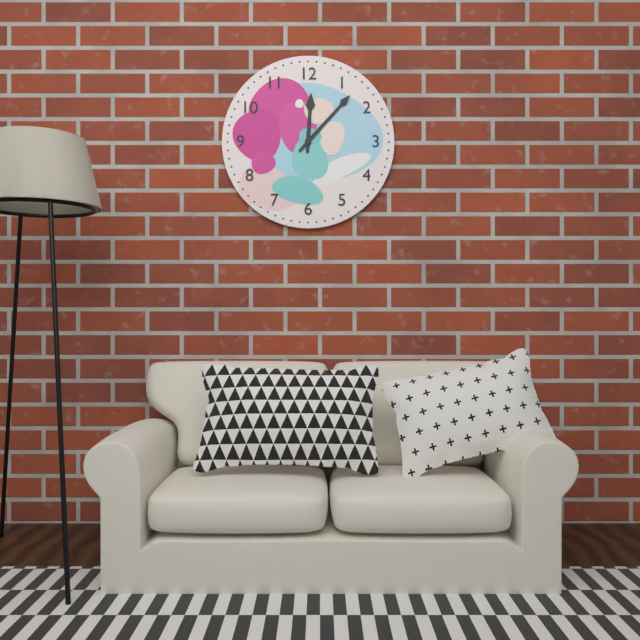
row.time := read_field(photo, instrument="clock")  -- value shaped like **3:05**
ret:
**12:07**
